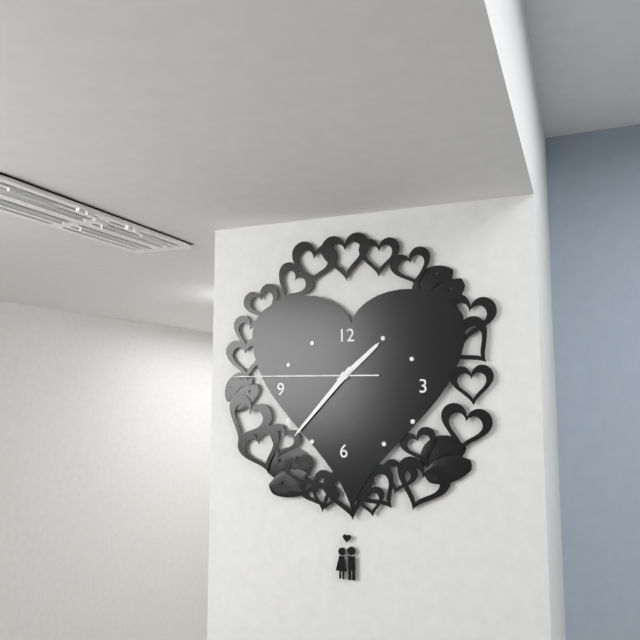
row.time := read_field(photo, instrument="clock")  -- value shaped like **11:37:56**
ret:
**1:37:45**
